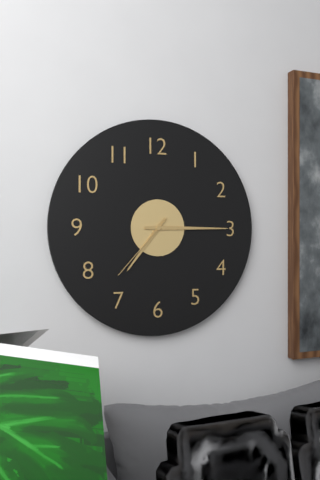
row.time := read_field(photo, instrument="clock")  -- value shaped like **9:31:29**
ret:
**7:15:37**
